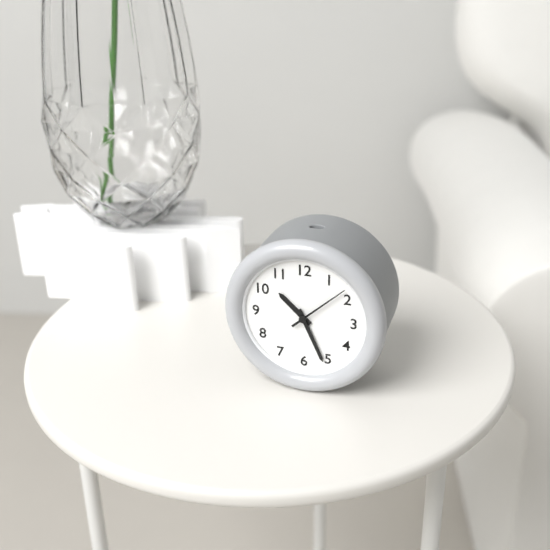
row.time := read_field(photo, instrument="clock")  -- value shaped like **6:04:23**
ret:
**10:26:08**
